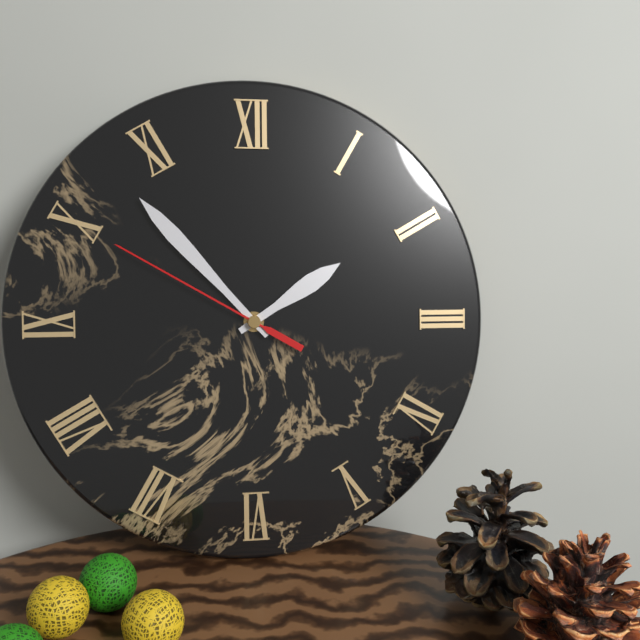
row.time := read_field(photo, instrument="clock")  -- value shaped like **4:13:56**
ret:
**1:53:50**
